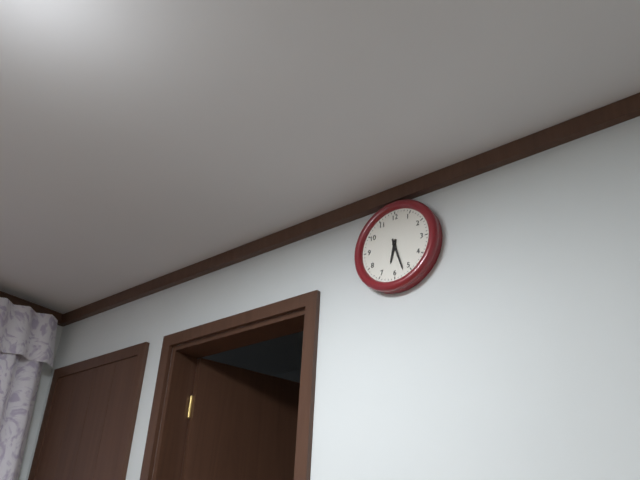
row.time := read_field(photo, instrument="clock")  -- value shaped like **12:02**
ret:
**6:27**
